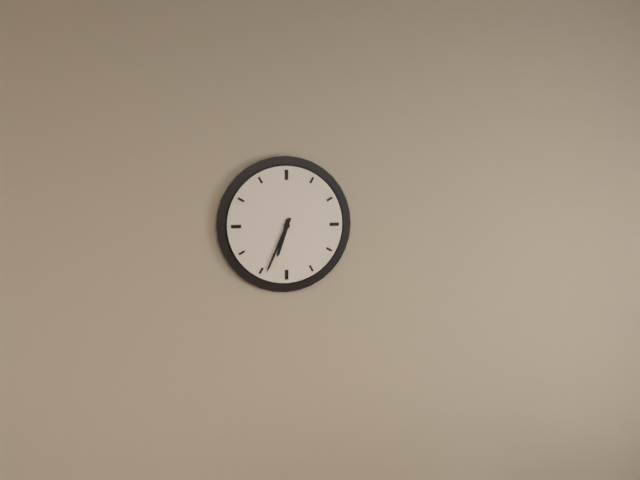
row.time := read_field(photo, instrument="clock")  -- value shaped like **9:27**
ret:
**6:34**
